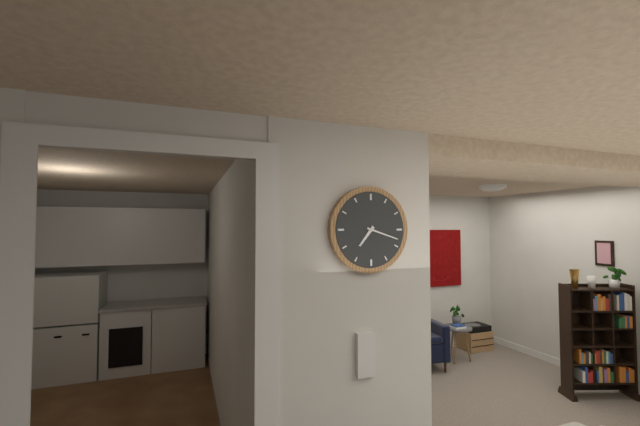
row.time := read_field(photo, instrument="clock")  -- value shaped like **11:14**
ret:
**7:18**
